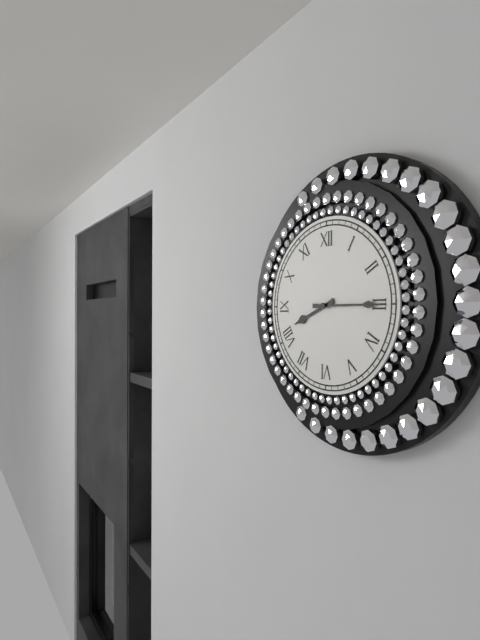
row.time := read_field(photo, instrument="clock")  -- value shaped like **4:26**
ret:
**8:15**
